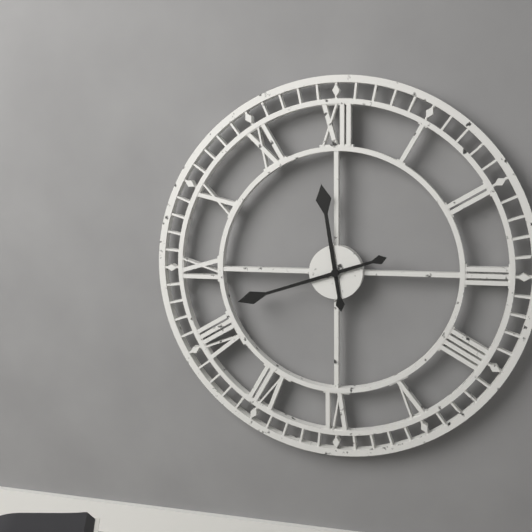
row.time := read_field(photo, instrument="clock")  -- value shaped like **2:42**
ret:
**11:42**
